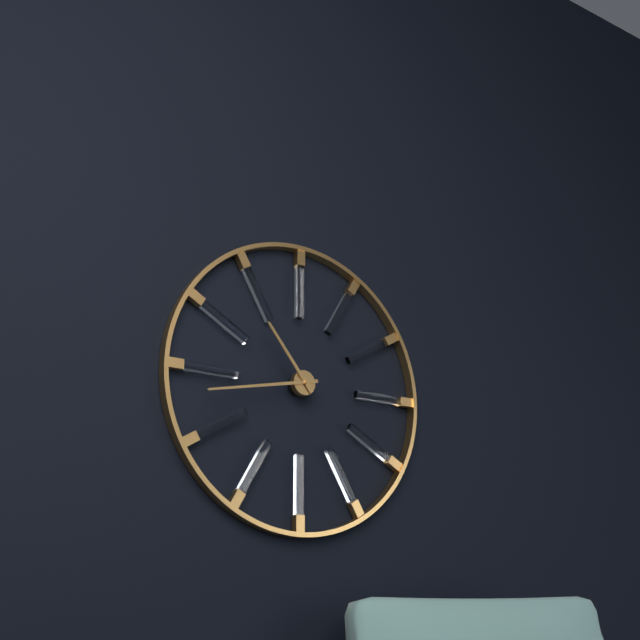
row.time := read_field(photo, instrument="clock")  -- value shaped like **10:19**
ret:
**10:43**
